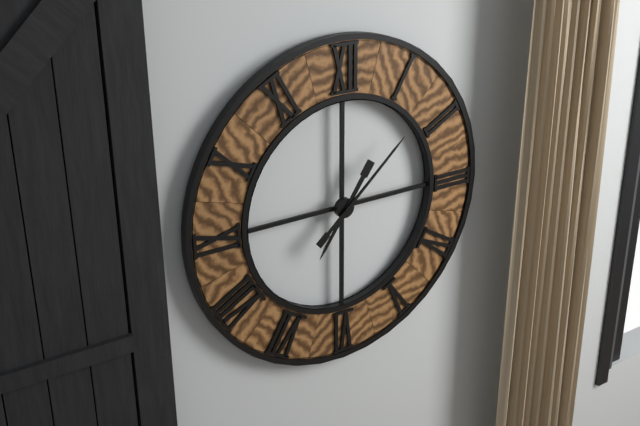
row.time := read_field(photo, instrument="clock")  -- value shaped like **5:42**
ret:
**7:08**
